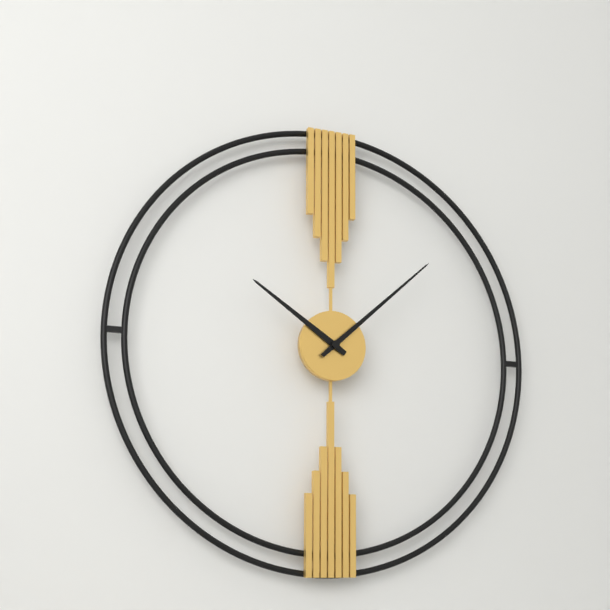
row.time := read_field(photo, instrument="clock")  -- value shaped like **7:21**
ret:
**10:08**
